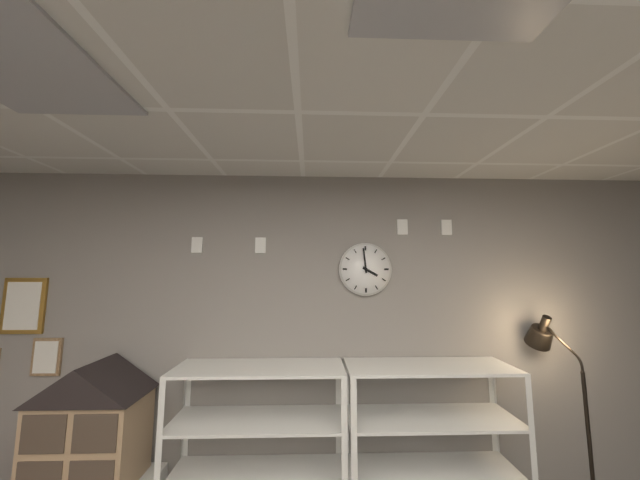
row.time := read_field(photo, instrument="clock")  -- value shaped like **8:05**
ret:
**3:59**
